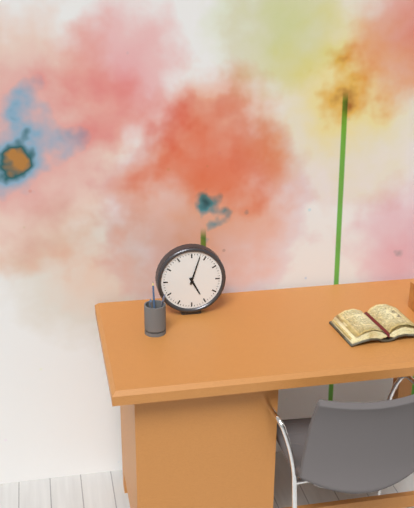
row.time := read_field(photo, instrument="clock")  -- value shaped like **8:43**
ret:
**5:03**
